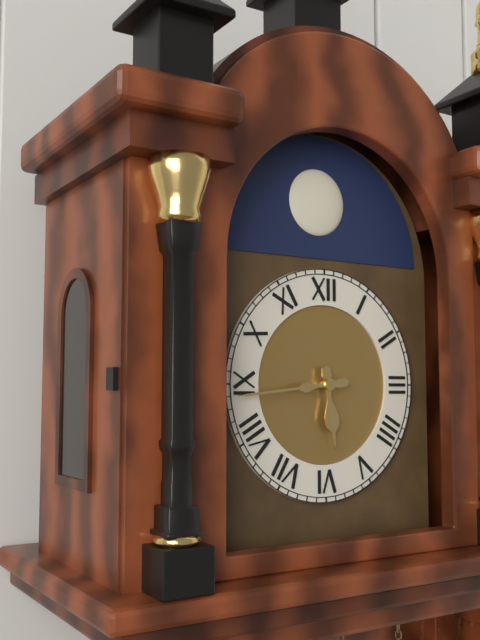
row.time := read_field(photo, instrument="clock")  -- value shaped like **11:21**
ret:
**5:44**
